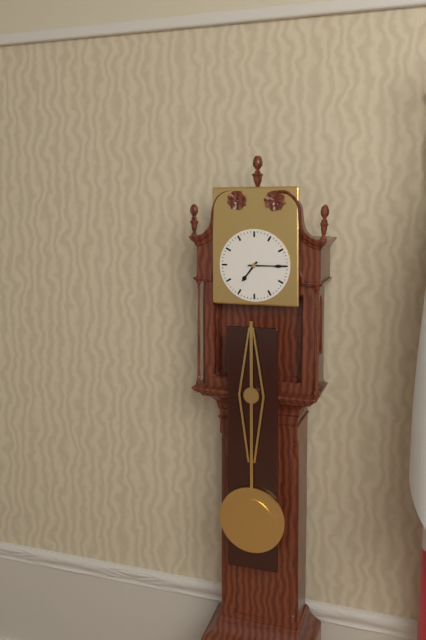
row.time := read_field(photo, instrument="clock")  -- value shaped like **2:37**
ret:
**7:15**
